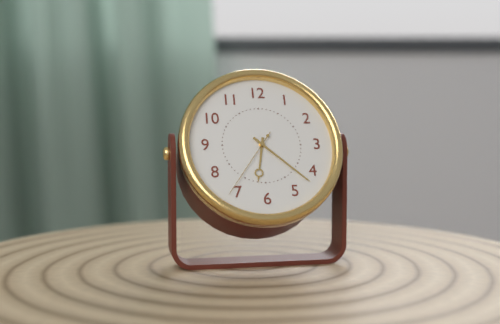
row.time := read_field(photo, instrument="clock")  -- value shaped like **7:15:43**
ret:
**6:22:36**
